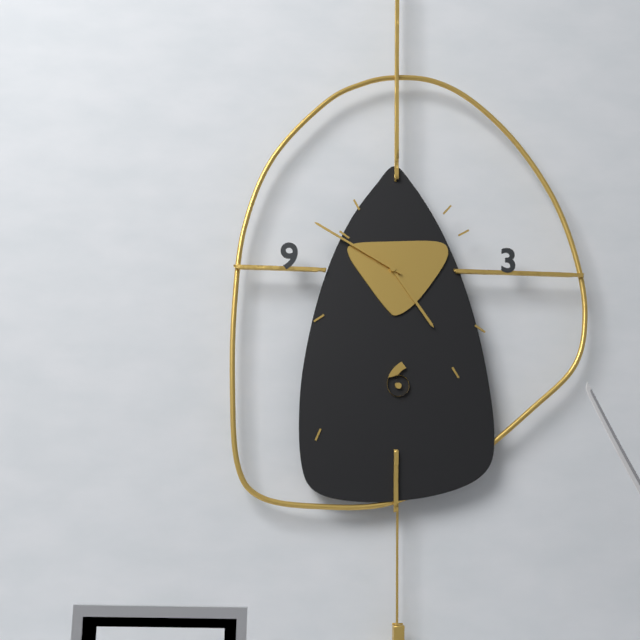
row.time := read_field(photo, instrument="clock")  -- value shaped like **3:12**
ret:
**4:50**
